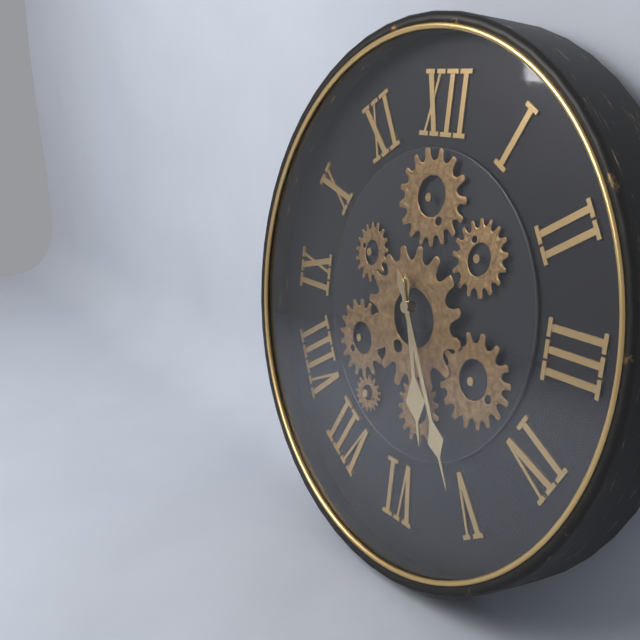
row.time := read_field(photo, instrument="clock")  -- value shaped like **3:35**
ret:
**5:25**
